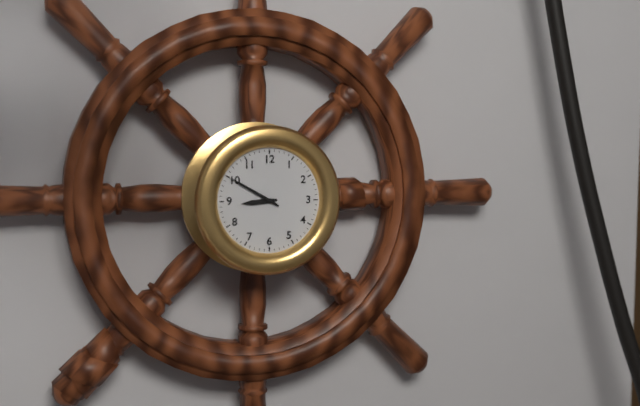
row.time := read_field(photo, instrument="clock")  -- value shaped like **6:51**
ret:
**8:50**
